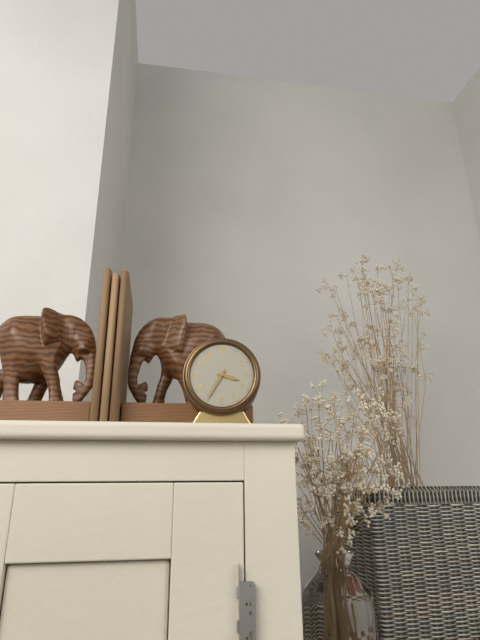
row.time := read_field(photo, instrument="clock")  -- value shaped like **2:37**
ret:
**3:35**
